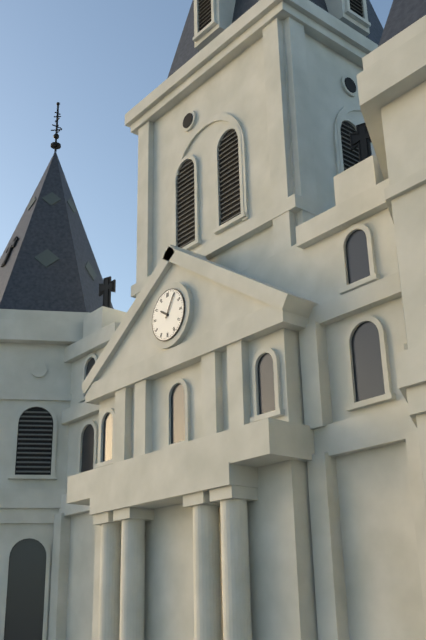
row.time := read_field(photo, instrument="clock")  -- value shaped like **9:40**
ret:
**10:05**
